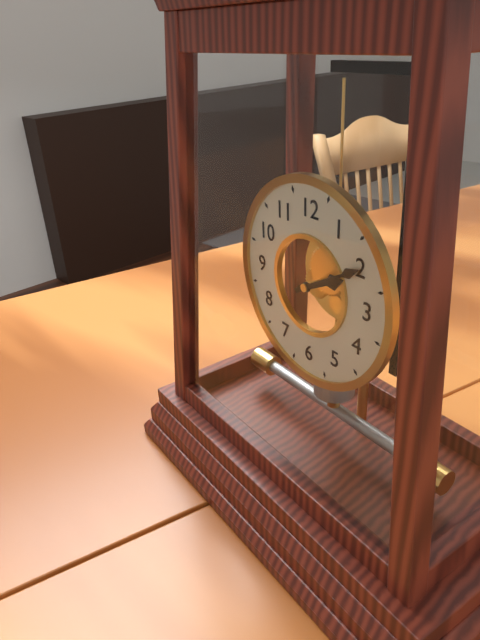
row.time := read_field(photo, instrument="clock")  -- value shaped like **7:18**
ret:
**2:10**
